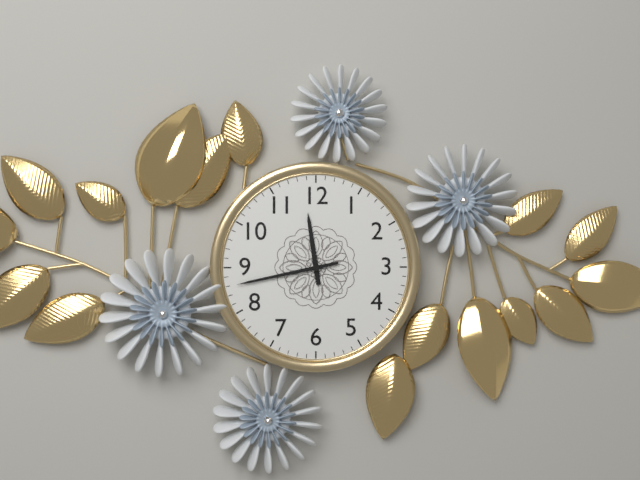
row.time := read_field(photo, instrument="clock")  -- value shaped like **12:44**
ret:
**11:43**
